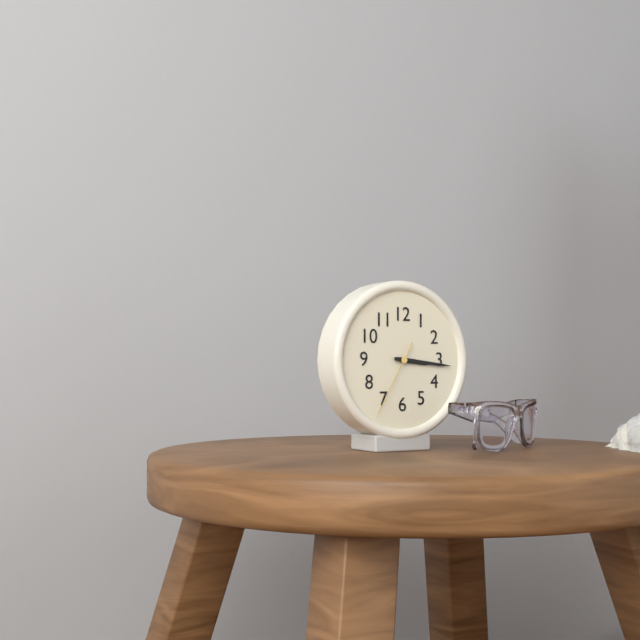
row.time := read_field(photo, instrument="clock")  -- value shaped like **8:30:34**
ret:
**3:16:35**
